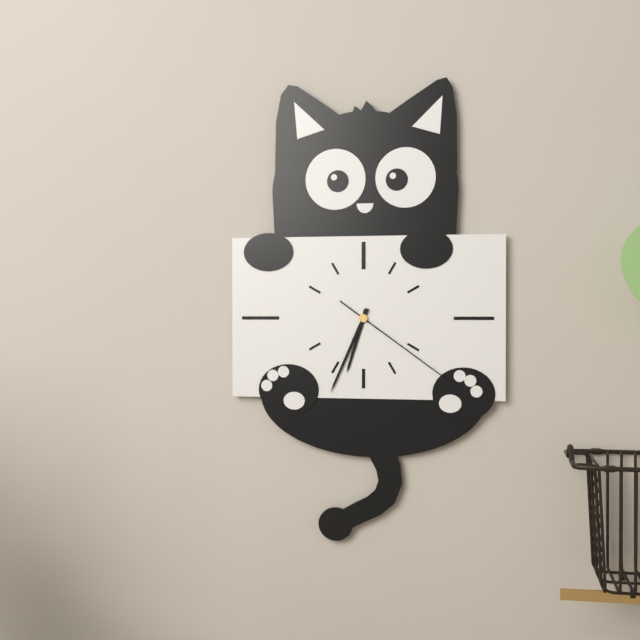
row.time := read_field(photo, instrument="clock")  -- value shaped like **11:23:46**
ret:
**6:34:21**
